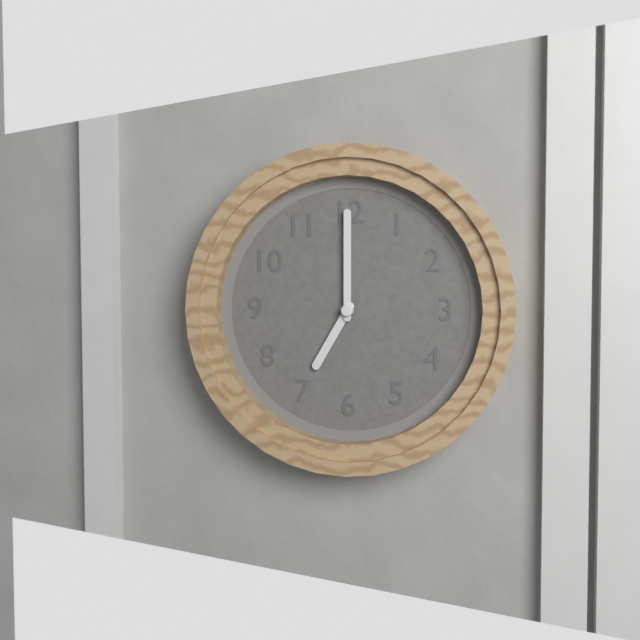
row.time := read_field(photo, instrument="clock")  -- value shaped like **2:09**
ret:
**7:00**
